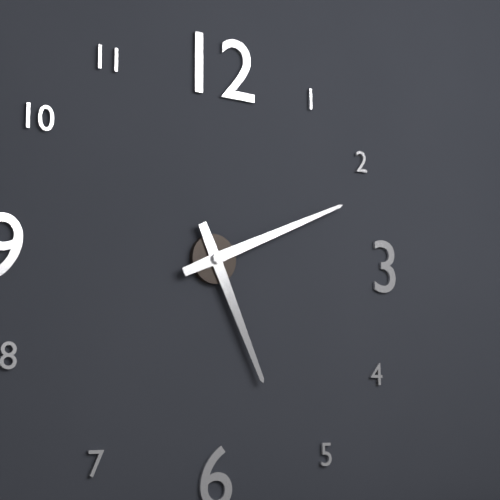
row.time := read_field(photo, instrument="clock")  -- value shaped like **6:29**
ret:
**5:11**
